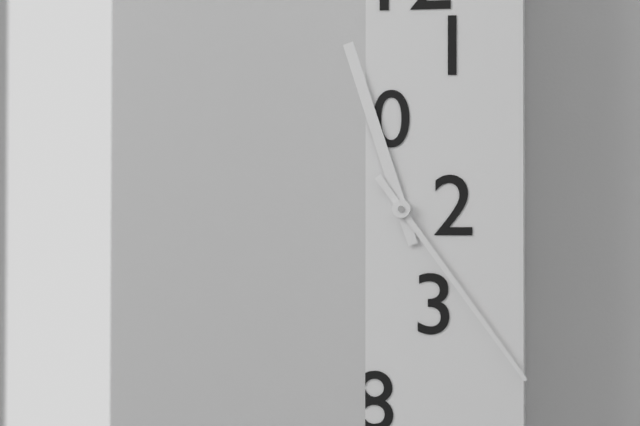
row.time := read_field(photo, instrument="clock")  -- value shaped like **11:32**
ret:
**11:24**
